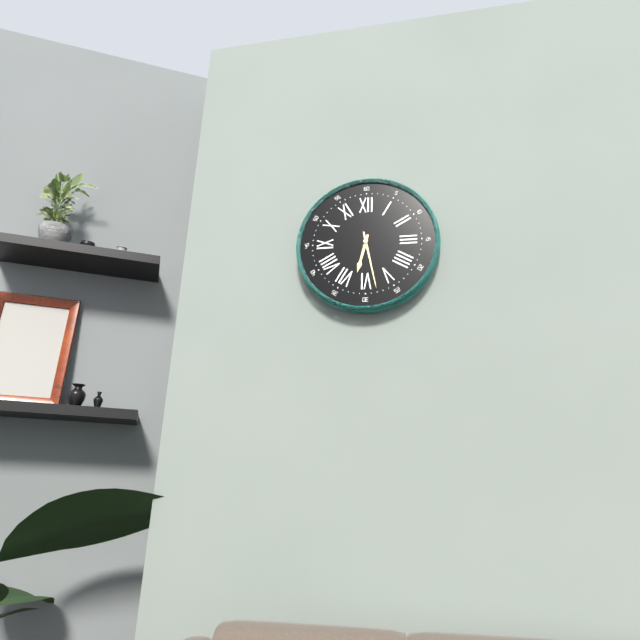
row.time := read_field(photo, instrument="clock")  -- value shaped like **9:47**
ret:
**6:28**
